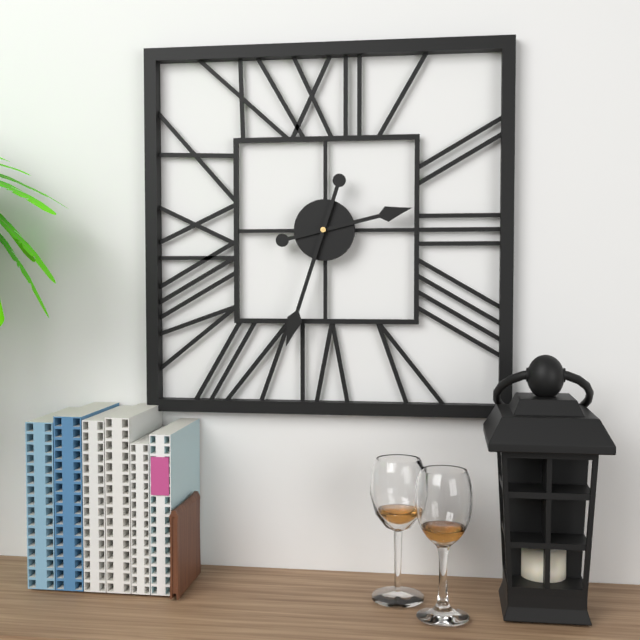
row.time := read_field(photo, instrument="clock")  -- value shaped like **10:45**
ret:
**2:33**
